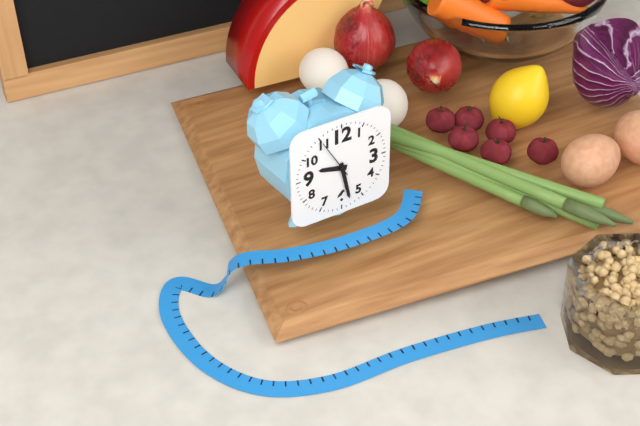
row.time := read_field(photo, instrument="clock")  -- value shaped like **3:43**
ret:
**9:28**
